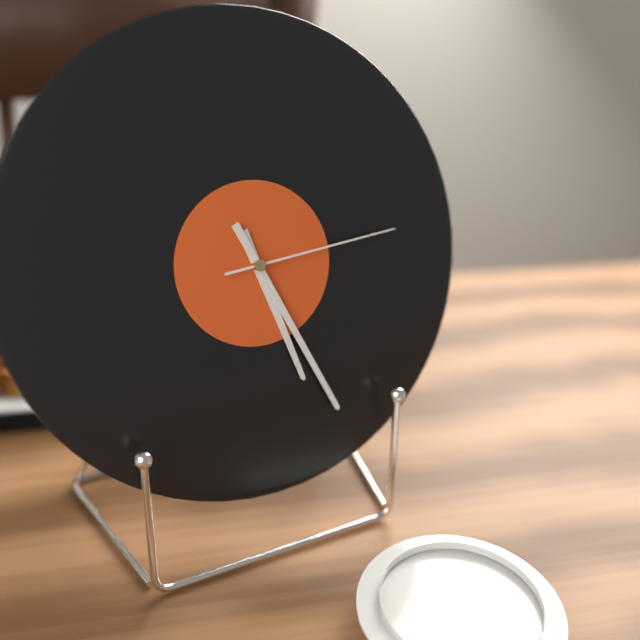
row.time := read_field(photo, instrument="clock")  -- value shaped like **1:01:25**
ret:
**5:26:14**
